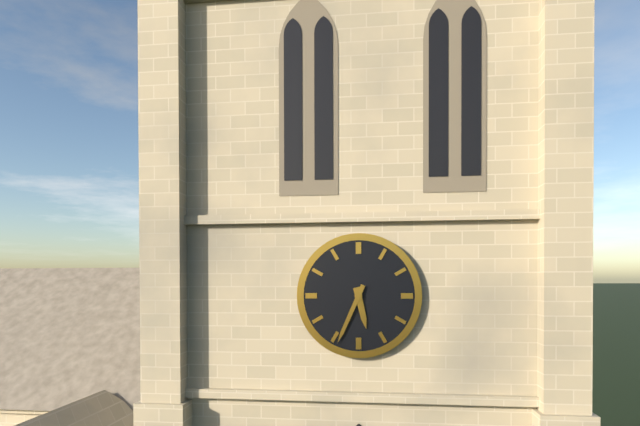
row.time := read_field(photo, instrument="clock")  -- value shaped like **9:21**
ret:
**5:34**
